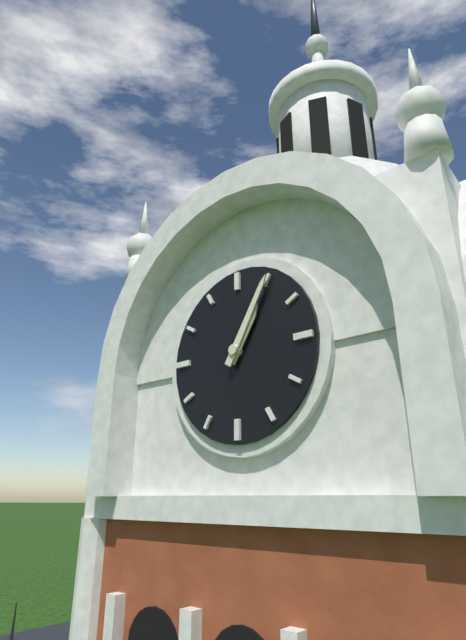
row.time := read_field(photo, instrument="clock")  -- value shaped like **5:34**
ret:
**1:05**
